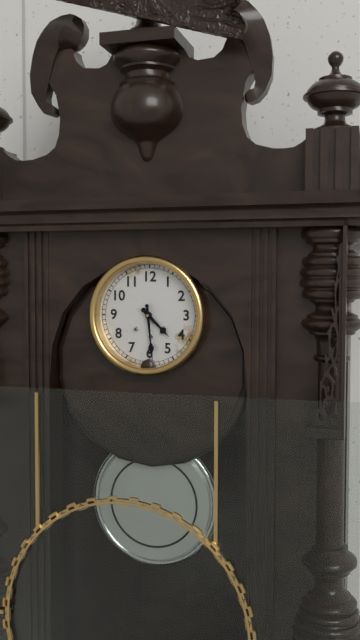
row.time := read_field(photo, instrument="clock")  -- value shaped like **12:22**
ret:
**4:29**
